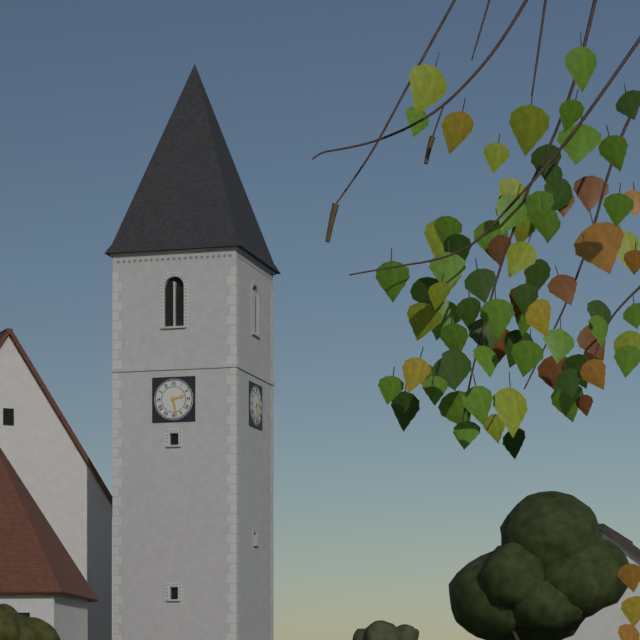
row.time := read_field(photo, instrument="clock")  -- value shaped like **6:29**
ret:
**2:28**
